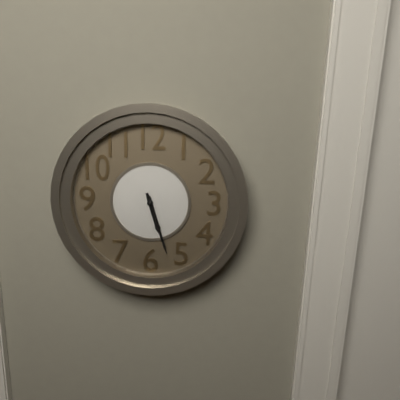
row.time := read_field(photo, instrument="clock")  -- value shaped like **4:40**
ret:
**5:27**
